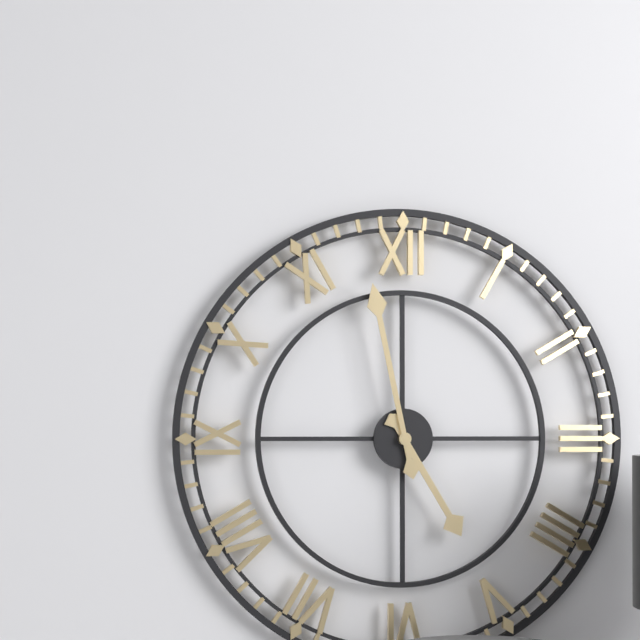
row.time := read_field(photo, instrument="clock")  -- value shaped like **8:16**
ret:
**4:58**
